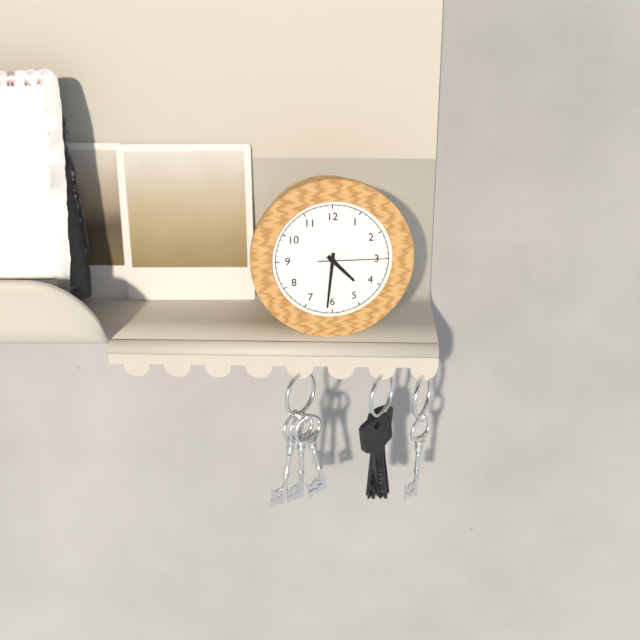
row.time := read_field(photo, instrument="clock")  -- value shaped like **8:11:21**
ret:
**4:31:15**
